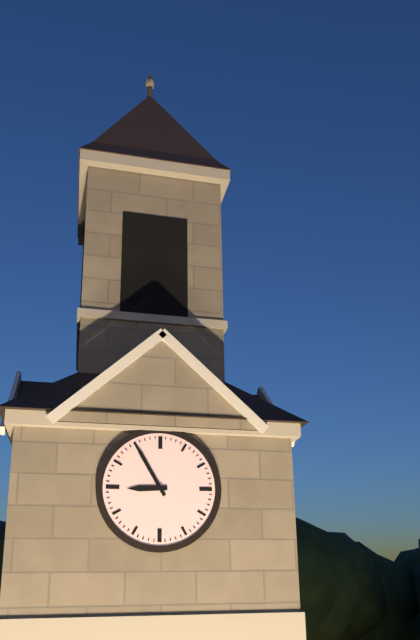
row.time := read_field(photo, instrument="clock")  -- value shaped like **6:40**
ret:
**8:55**
